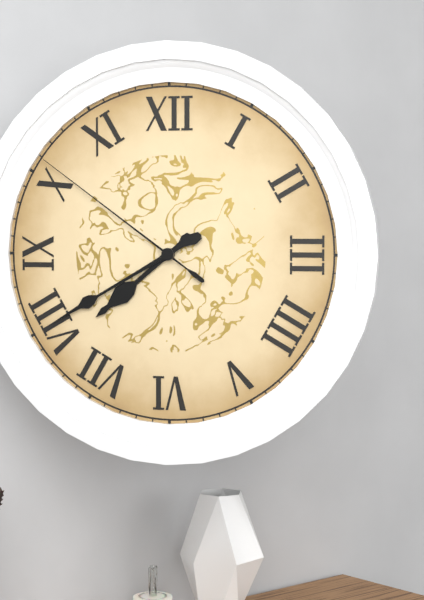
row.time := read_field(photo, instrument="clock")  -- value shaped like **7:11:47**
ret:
**7:40:51**
